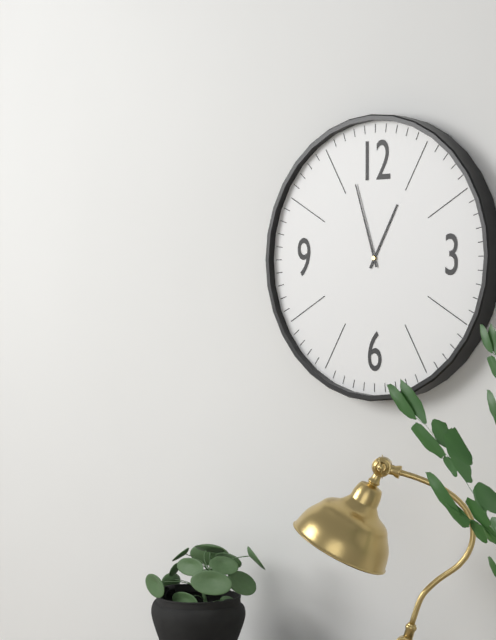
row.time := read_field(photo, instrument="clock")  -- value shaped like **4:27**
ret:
**12:57**
